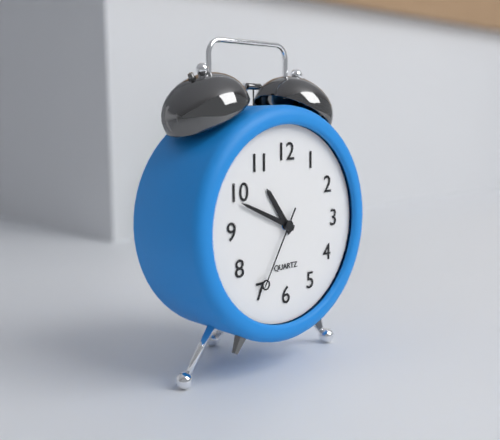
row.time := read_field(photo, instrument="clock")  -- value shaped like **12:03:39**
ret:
**10:49:35**
